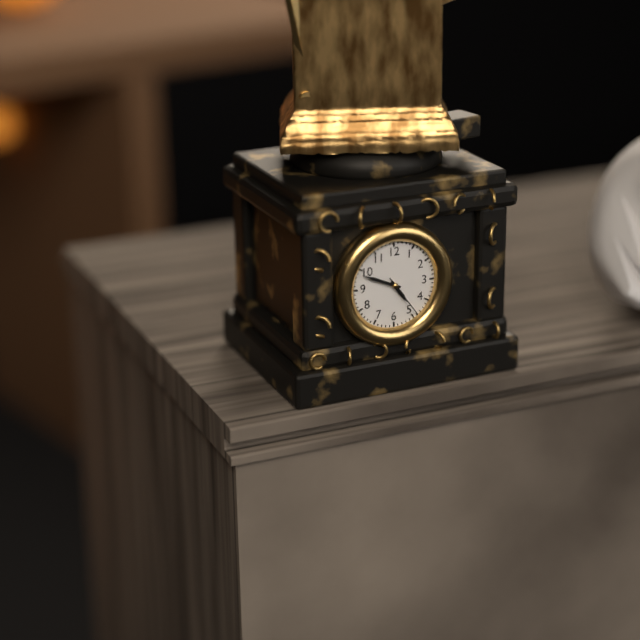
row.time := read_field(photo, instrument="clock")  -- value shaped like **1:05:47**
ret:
**4:49:24**
